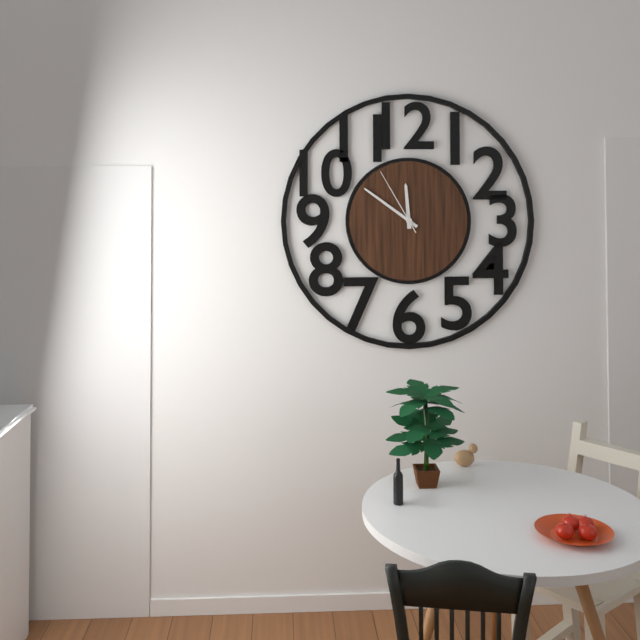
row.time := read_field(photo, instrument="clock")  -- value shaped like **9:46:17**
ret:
**11:51:55**
